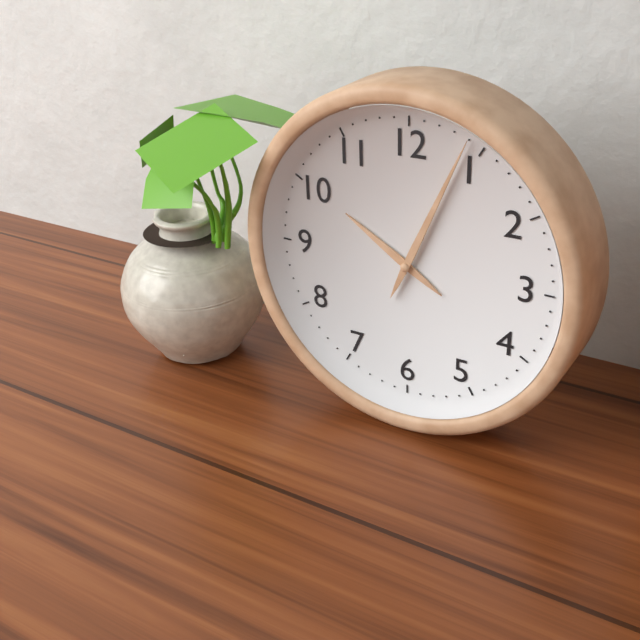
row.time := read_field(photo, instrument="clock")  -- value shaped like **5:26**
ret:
**10:04**
